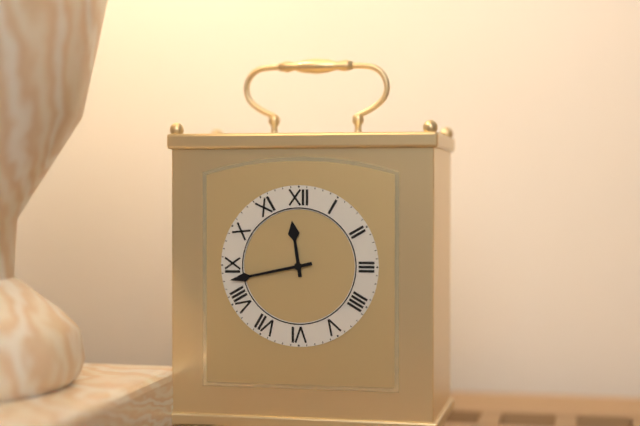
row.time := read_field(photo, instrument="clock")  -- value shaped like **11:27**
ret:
**11:43**
